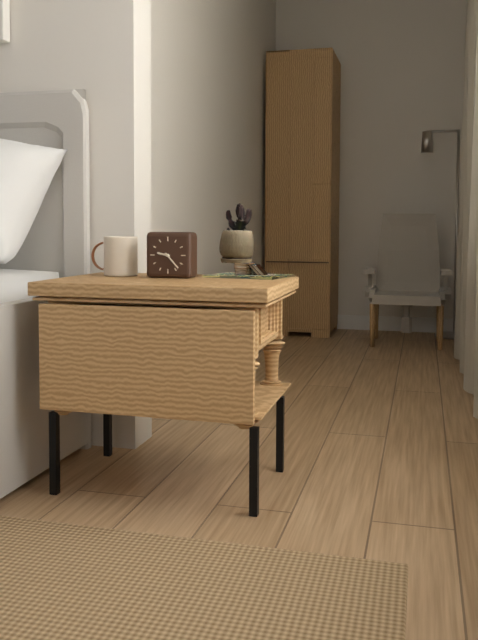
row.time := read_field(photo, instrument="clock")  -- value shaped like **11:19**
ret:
**9:23**
